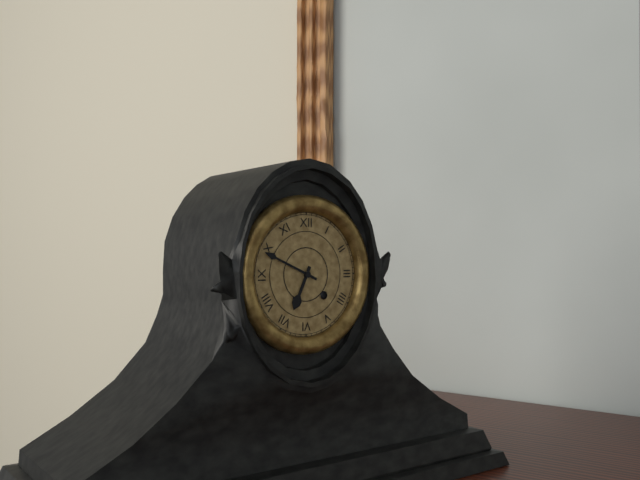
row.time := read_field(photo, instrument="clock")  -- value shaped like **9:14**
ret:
**6:49**
